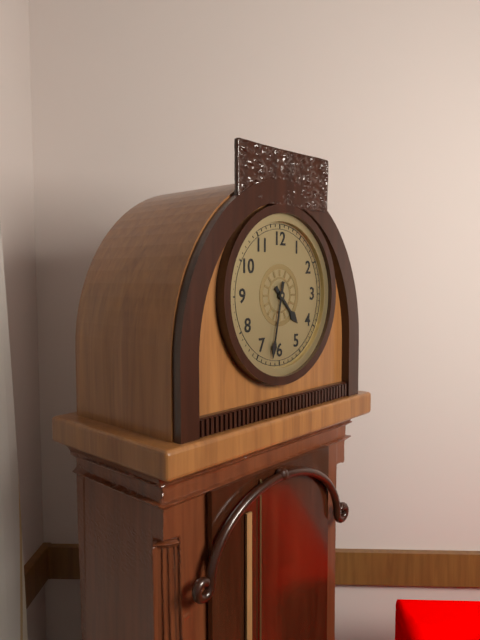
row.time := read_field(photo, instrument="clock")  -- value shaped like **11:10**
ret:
**4:32**
